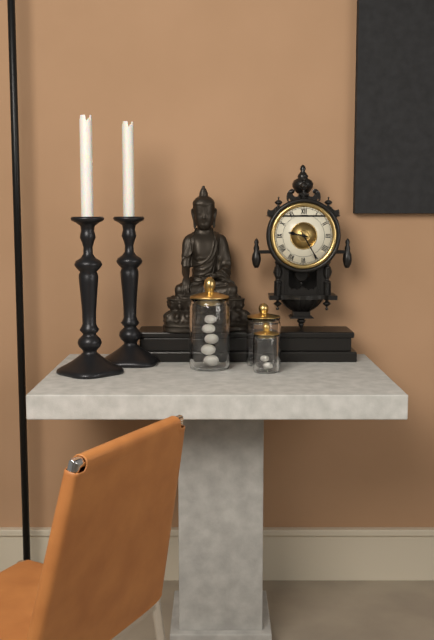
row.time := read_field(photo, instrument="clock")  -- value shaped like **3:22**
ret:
**9:25**
